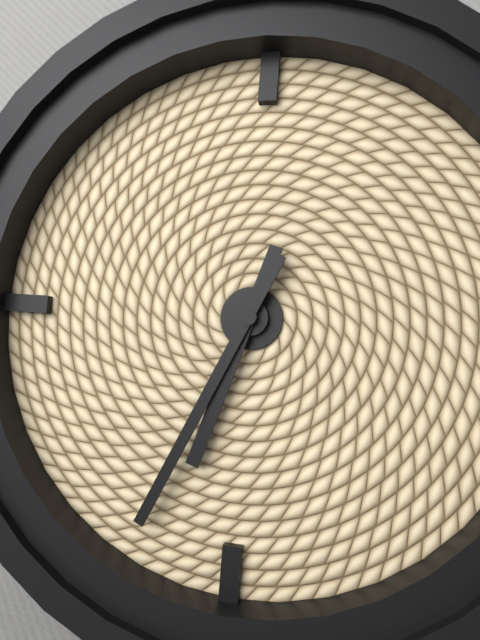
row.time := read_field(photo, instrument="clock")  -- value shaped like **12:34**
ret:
**6:34**
